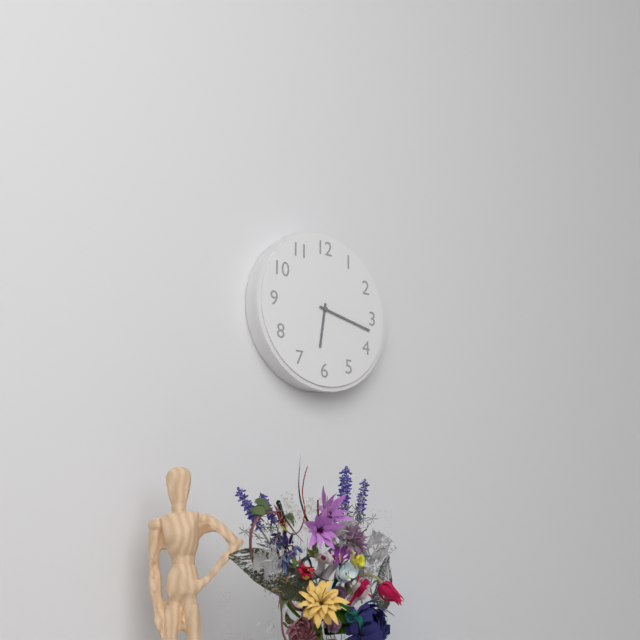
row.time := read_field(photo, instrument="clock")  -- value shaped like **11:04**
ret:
**6:17**
